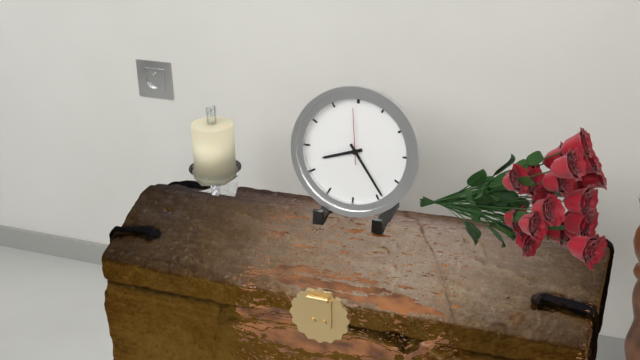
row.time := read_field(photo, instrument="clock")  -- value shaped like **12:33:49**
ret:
**8:24:59**
